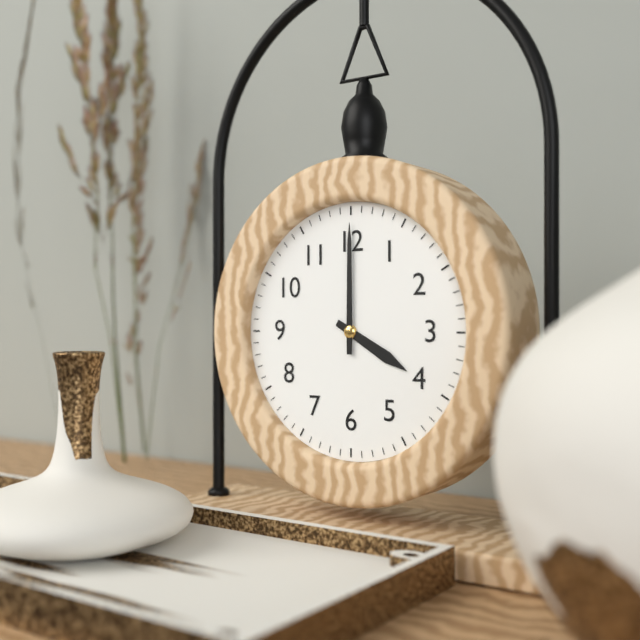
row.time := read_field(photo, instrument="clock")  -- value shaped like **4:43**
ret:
**4:00**
